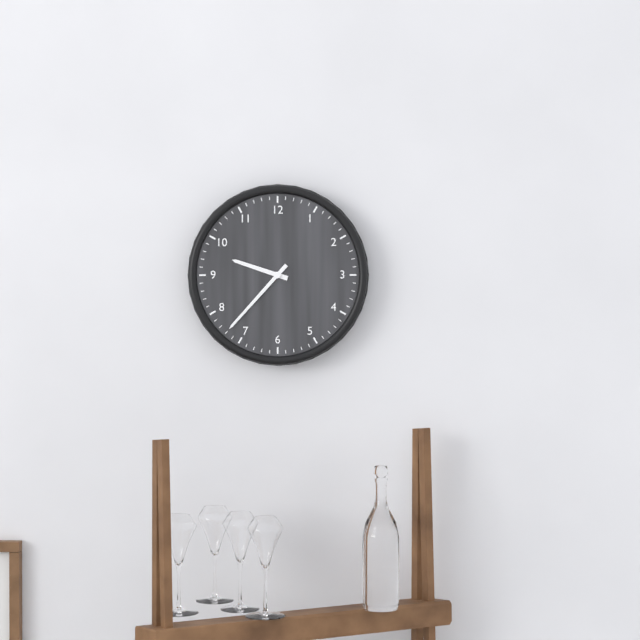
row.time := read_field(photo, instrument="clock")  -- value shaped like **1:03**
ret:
**9:37**
